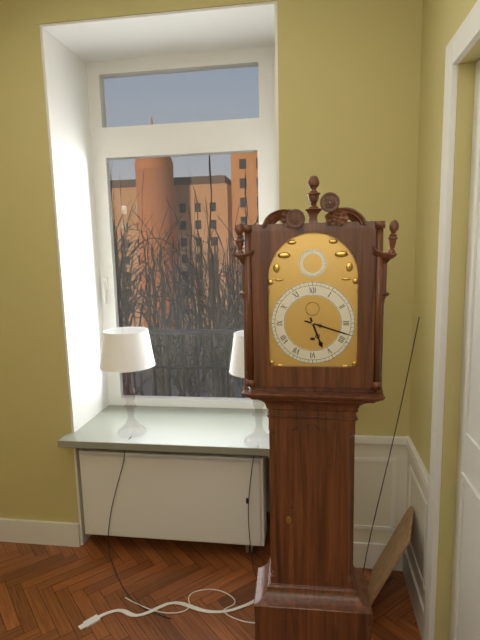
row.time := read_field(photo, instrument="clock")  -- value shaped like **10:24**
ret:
**5:18**
